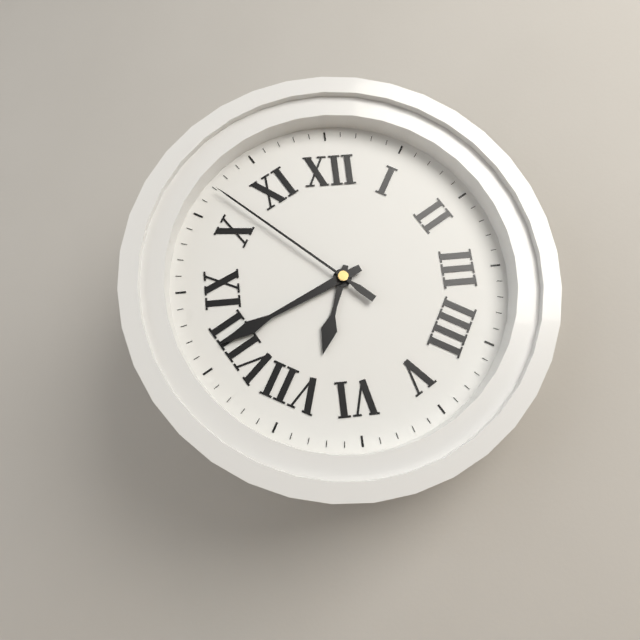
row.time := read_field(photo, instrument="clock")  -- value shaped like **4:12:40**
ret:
**6:41:52**
